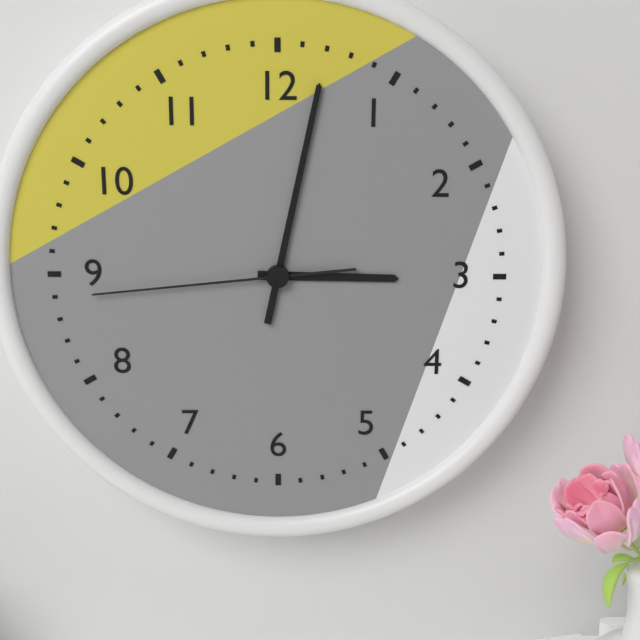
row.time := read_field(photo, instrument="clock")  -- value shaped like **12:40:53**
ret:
**3:02:44**
